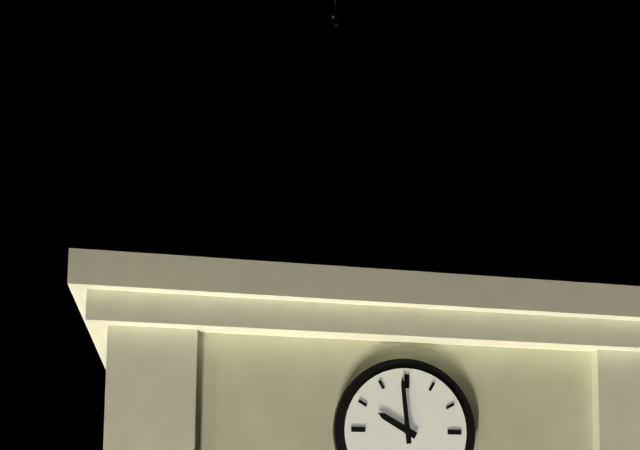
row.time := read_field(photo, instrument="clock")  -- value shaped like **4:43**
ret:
**9:59**
